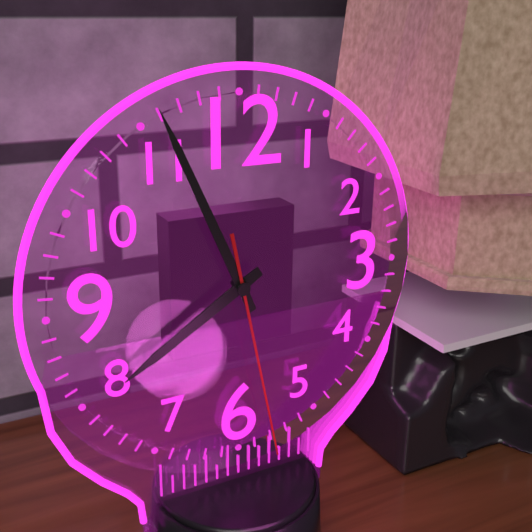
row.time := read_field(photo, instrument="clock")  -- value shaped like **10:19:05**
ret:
**7:56:28**
